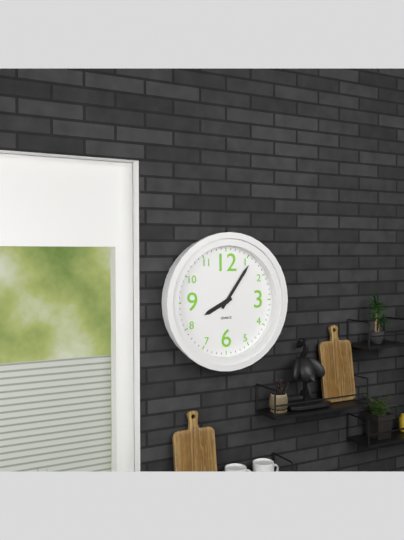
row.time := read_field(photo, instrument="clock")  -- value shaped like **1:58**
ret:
**8:06**
